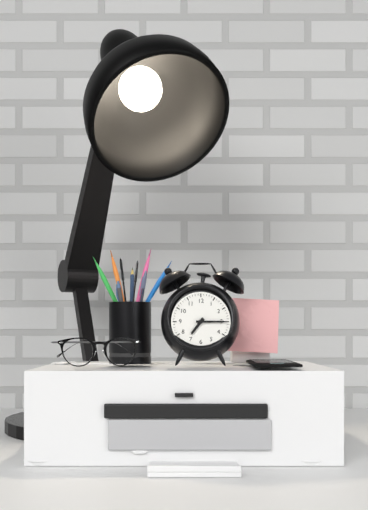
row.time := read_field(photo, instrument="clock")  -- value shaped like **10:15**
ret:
**7:15**
